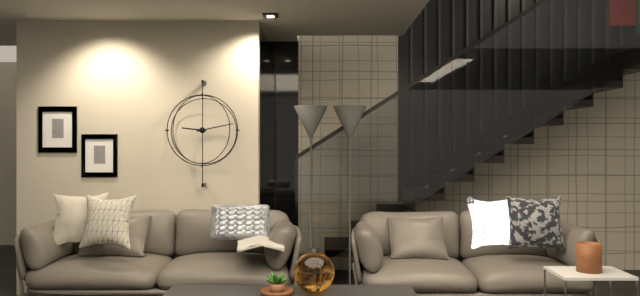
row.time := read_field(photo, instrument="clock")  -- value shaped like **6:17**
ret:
**9:13**
